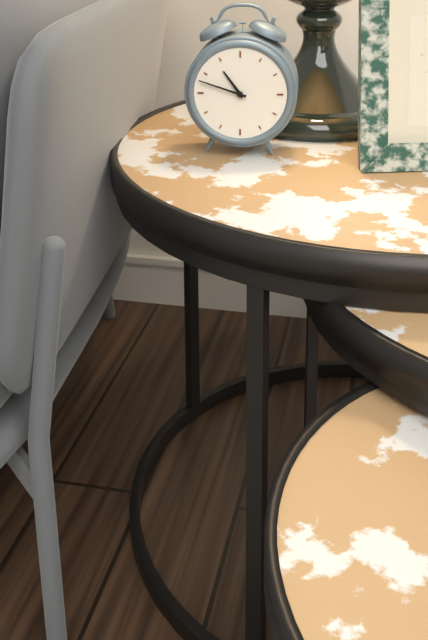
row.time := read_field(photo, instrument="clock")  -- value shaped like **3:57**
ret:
**10:48**
